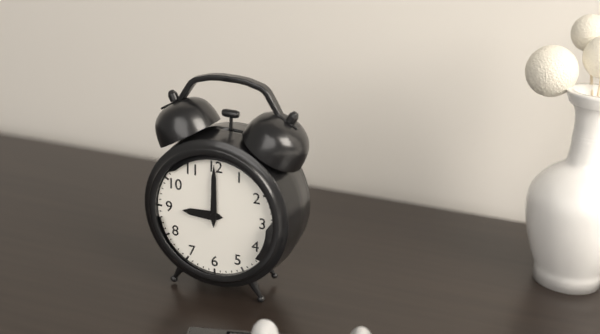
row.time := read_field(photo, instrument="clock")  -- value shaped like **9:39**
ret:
**9:00**
